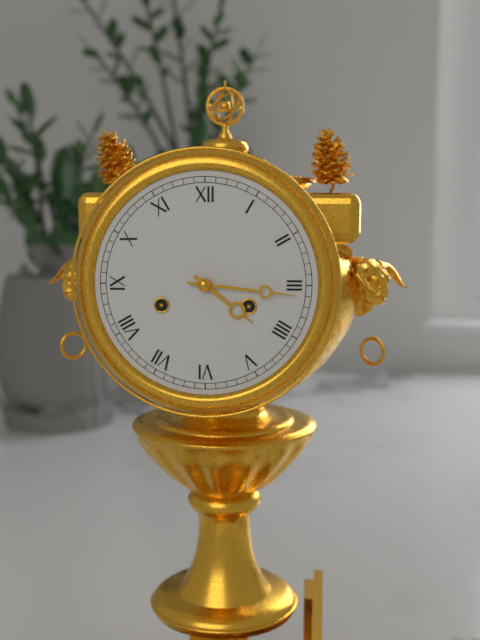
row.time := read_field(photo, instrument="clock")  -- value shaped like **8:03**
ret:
**4:16**
